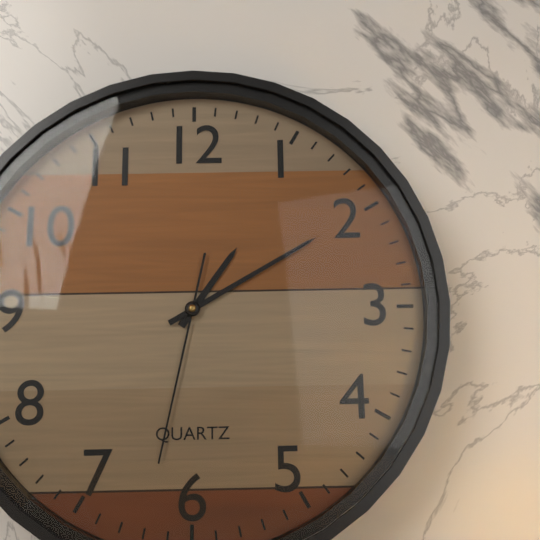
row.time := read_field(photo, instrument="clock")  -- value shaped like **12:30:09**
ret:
**1:10:32**
